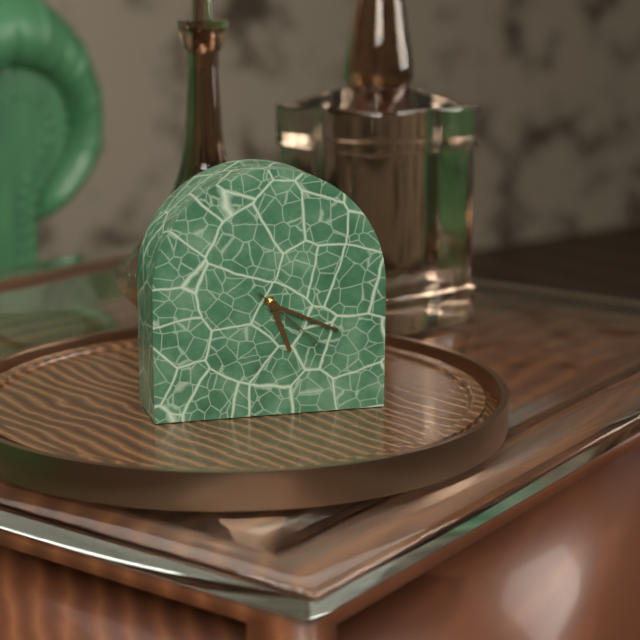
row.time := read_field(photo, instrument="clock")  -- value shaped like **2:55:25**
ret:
**5:19:22**
